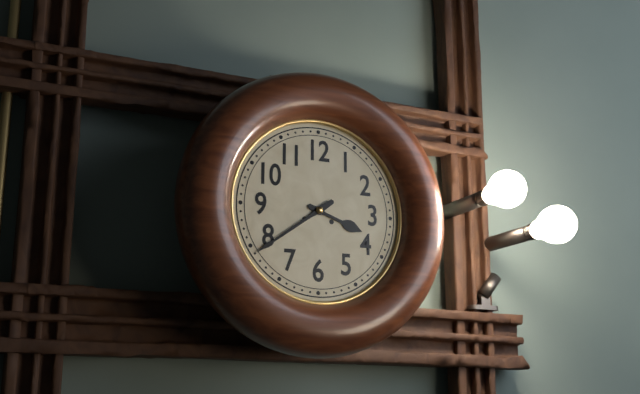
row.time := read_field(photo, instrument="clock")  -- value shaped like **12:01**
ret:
**3:39**
